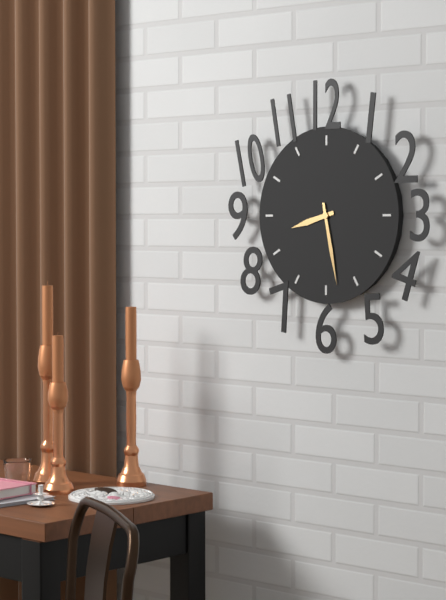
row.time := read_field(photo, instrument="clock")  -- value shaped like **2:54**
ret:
**8:28**
